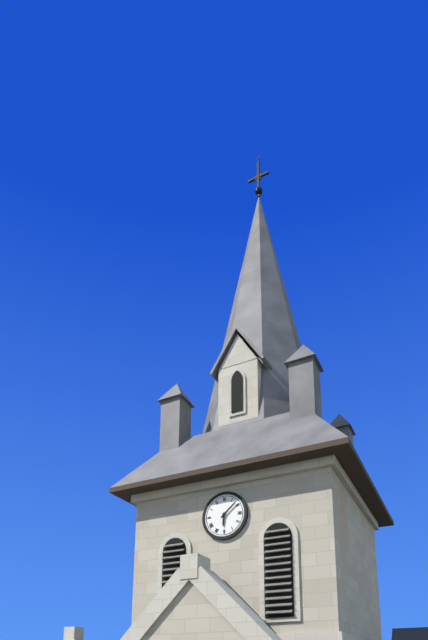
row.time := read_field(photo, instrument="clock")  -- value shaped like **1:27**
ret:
**6:08**
